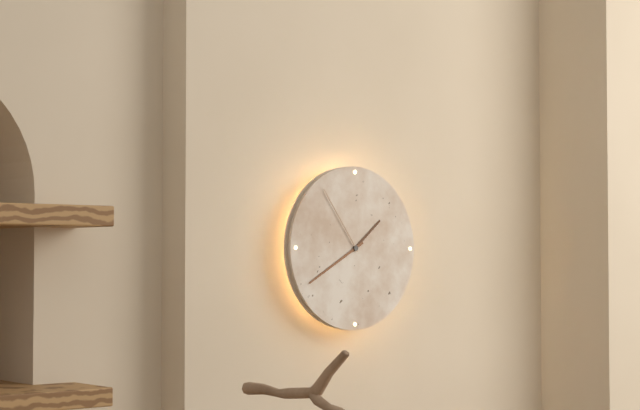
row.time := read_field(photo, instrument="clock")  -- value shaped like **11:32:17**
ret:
**1:40:54**
